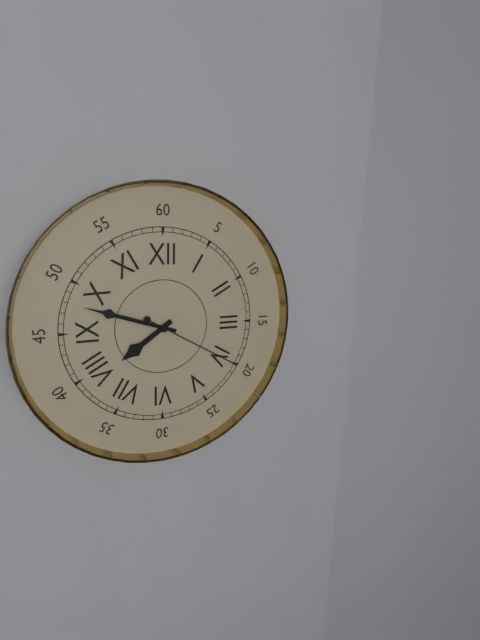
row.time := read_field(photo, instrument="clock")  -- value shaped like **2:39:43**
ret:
**7:48:20**
